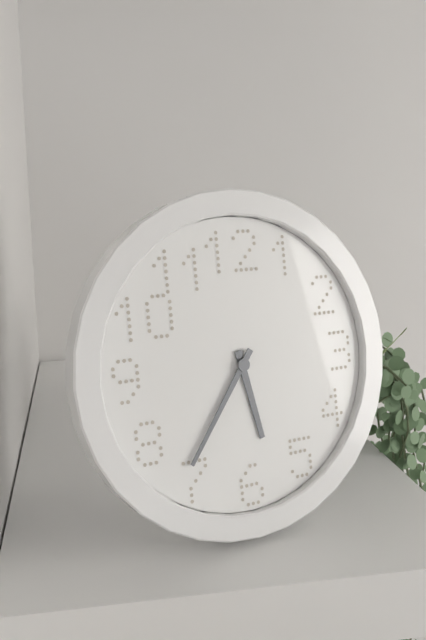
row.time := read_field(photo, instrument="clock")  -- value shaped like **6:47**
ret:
**5:36**
